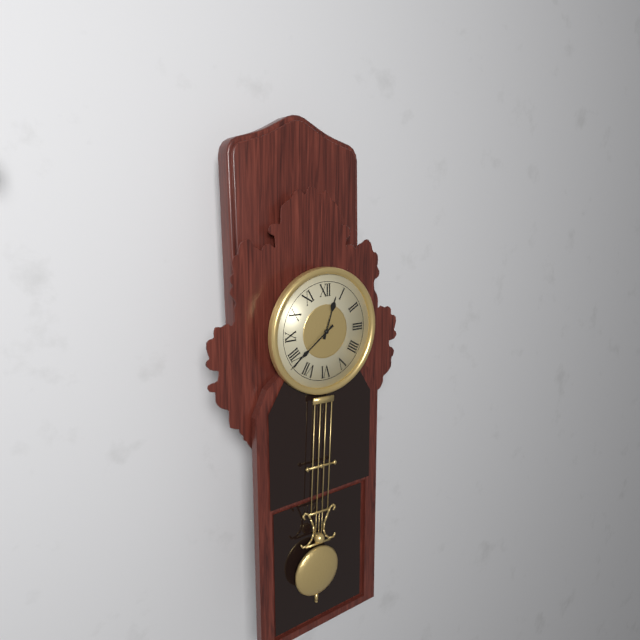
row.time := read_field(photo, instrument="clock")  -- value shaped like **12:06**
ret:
**12:39**
